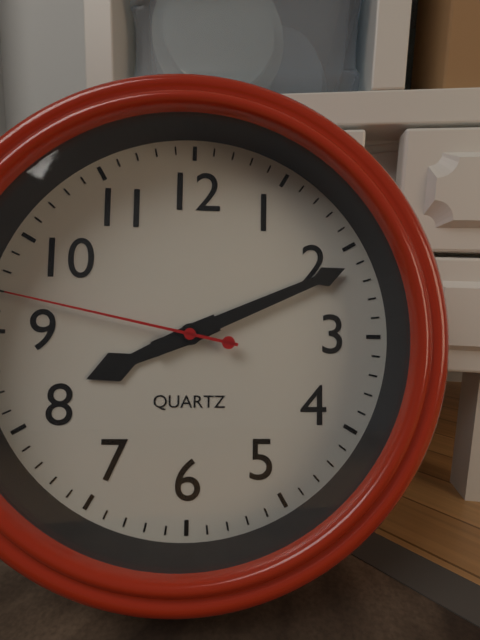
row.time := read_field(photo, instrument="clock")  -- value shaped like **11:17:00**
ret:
**8:11:47**
